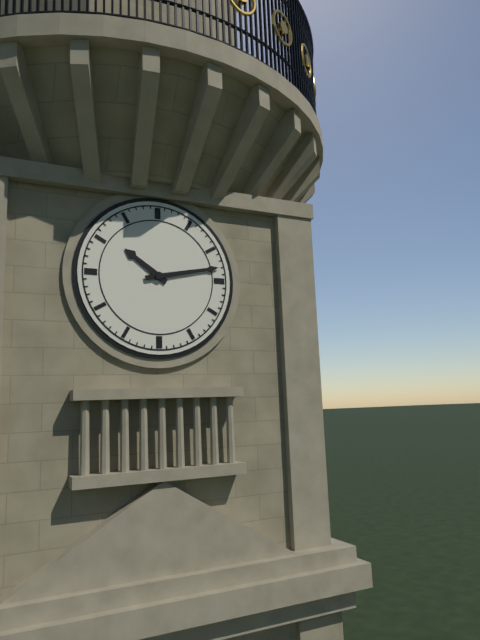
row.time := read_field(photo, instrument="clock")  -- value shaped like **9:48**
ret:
**10:13**
